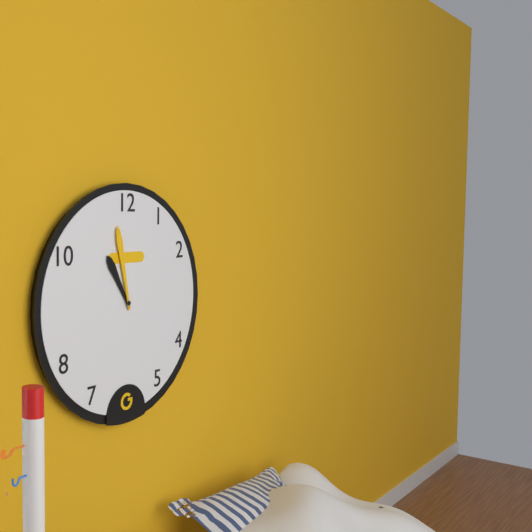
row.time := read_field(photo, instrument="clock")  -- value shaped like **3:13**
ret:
**10:58**
